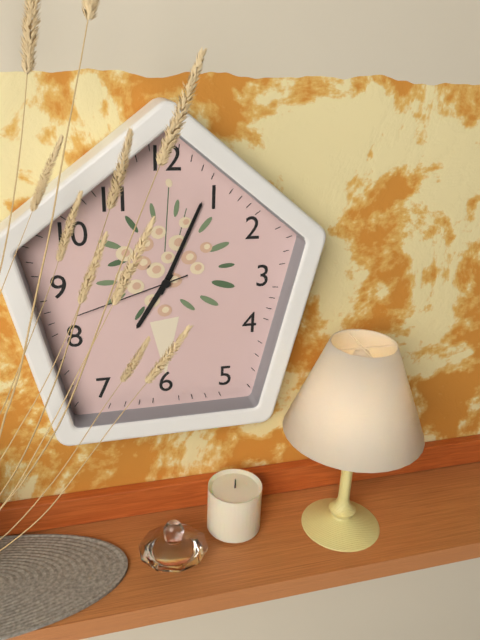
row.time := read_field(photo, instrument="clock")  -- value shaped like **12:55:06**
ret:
**7:04:42**
